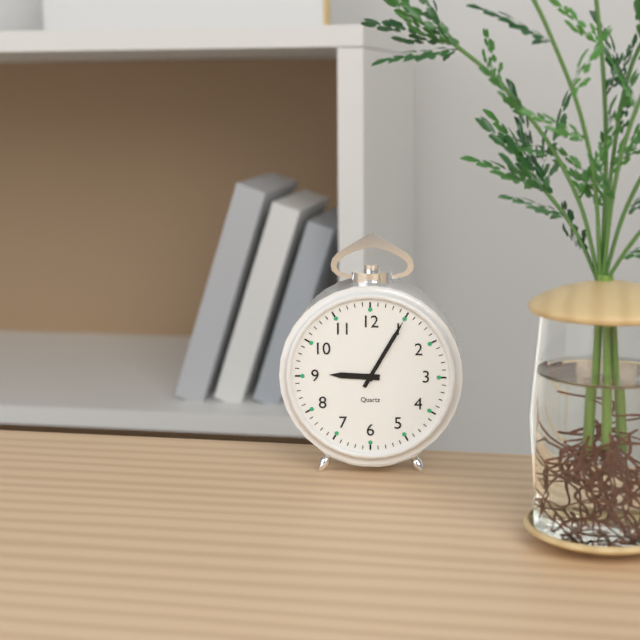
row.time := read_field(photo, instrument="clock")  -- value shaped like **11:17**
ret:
**9:05**
